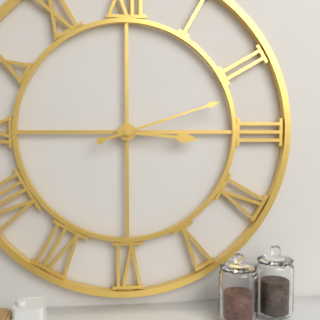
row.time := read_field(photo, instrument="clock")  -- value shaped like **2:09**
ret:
**3:12**
